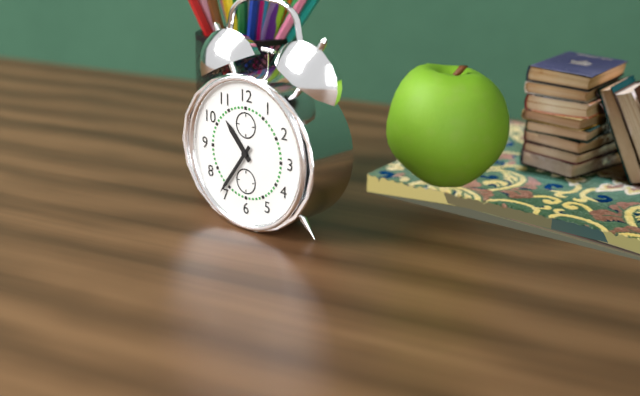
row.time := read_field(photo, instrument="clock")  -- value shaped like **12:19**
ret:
**10:36**
